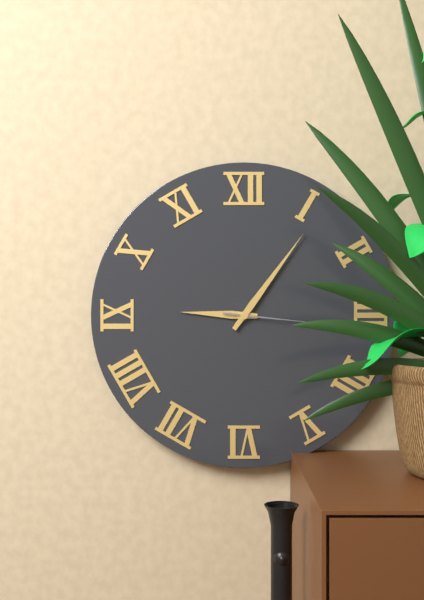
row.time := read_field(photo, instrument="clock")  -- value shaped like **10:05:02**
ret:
**9:06:16**
